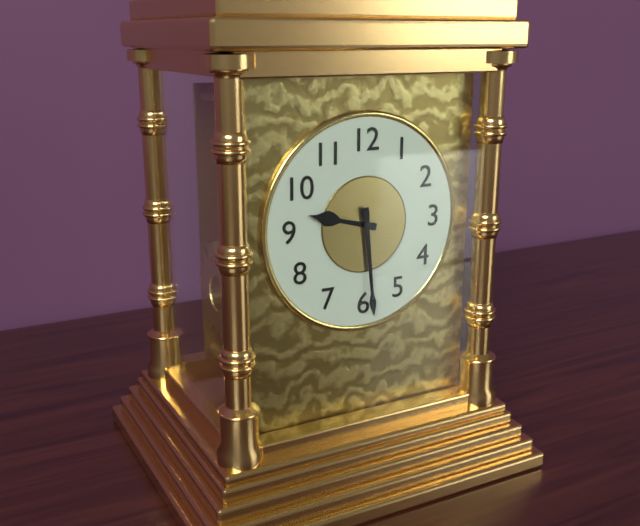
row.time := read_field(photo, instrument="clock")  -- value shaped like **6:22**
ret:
**9:29**
